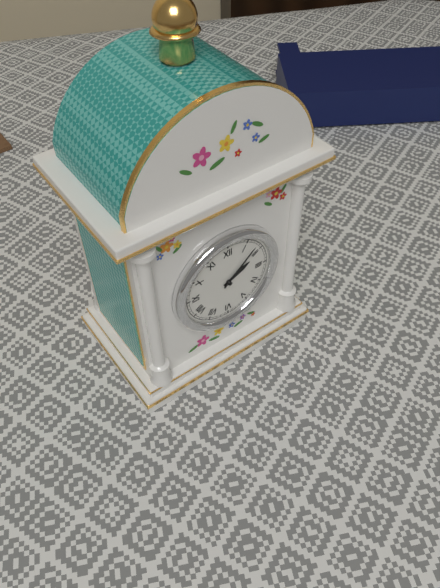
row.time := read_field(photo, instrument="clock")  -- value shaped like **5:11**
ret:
**2:08**
